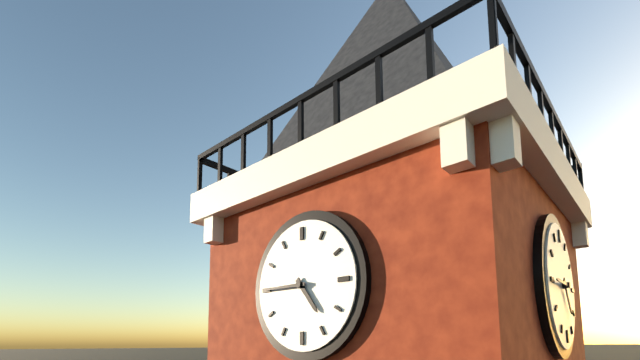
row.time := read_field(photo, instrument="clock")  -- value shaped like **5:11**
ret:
**4:45**
